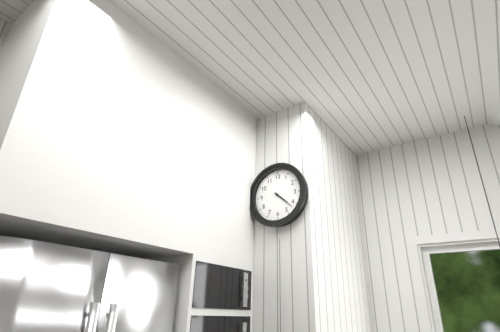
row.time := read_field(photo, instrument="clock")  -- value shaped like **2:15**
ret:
**4:22**
